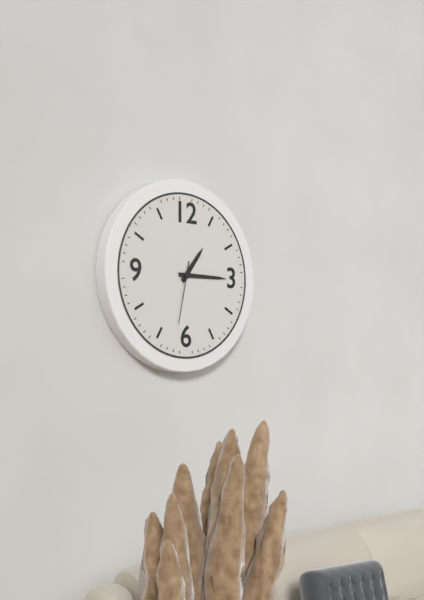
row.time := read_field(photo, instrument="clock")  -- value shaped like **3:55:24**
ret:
**1:15:32**
